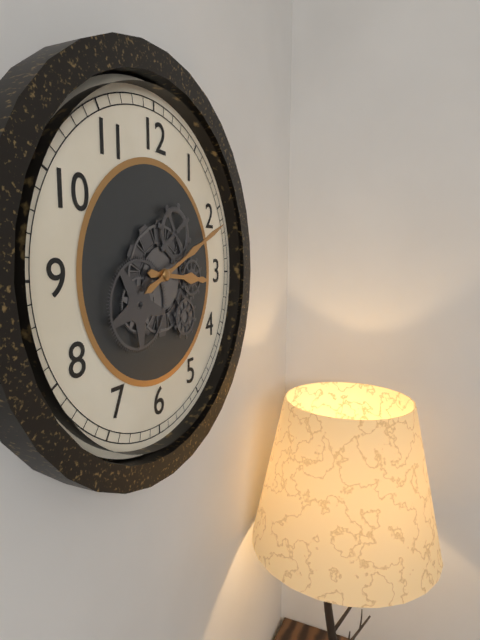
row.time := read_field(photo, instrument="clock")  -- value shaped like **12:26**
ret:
**3:11**
